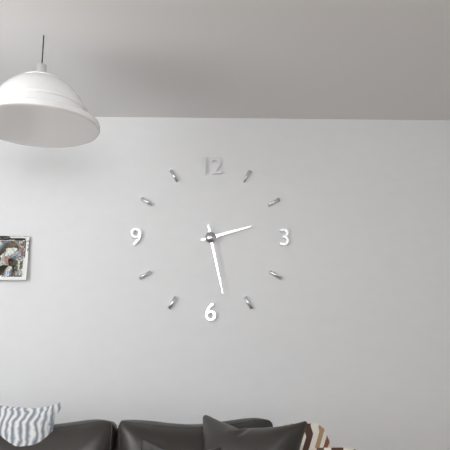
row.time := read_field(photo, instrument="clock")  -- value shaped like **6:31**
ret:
**2:28**
